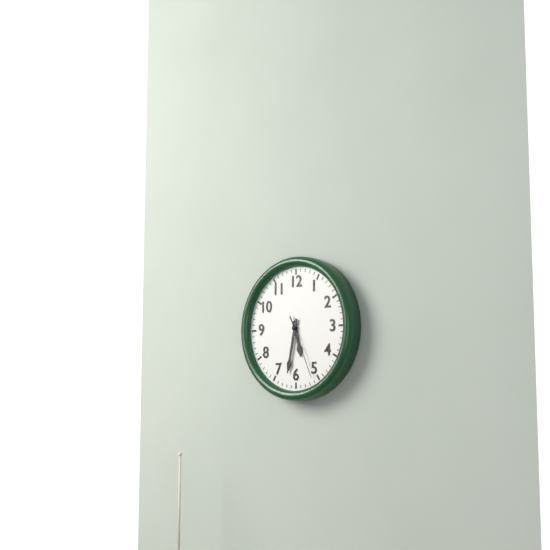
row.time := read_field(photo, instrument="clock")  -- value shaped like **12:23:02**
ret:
**5:32:26**
